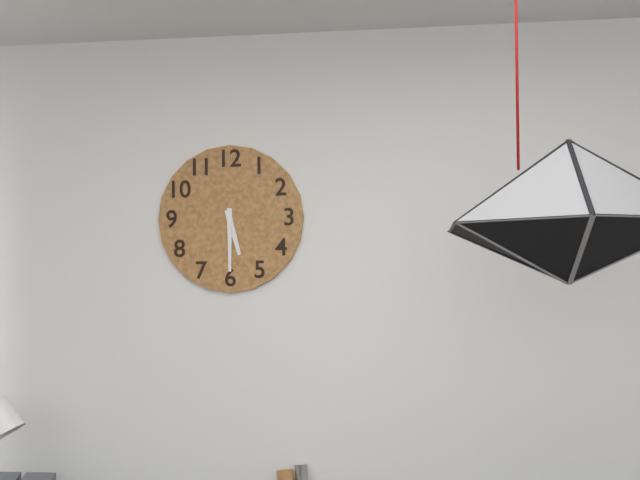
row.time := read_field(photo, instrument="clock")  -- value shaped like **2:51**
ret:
**5:30**
